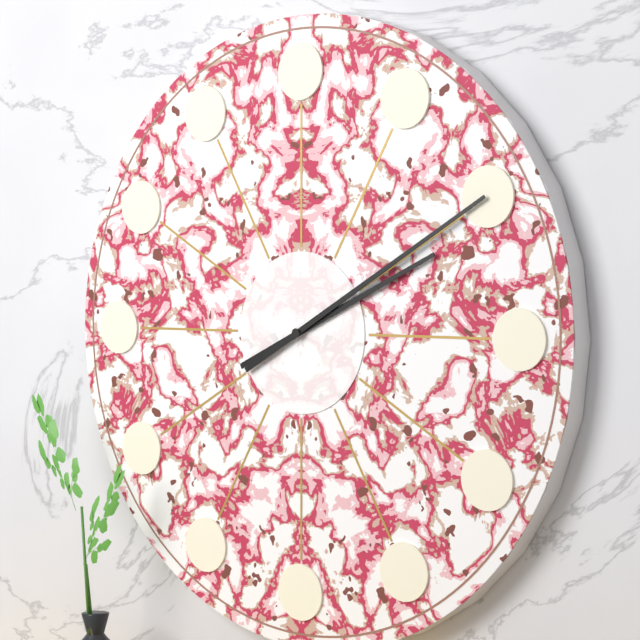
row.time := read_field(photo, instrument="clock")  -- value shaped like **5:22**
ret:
**2:10**
